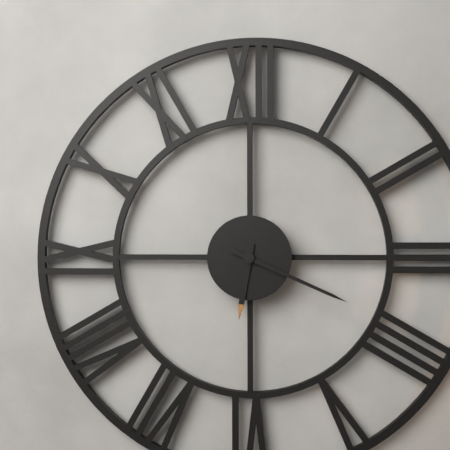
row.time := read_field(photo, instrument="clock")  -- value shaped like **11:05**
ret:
**6:19**
